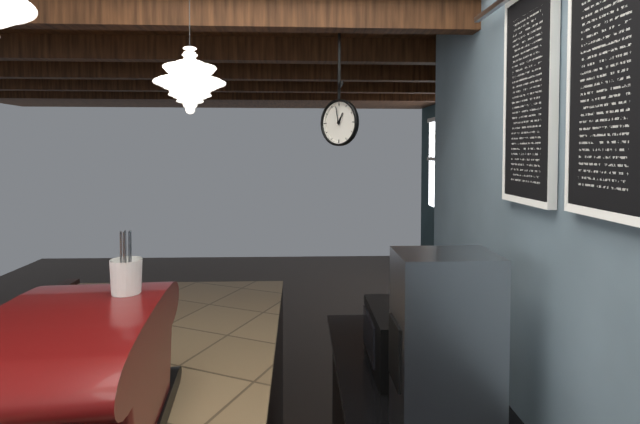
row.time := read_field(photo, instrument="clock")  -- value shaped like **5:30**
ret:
**12:58**
